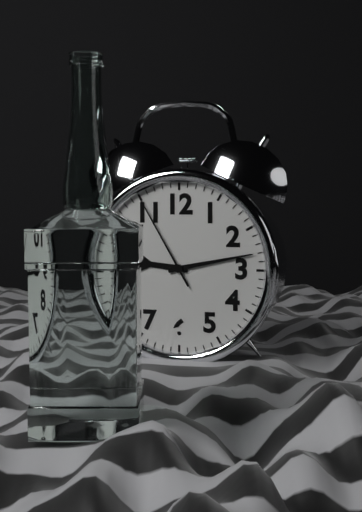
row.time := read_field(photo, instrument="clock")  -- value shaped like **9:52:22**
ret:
**9:13:55**
